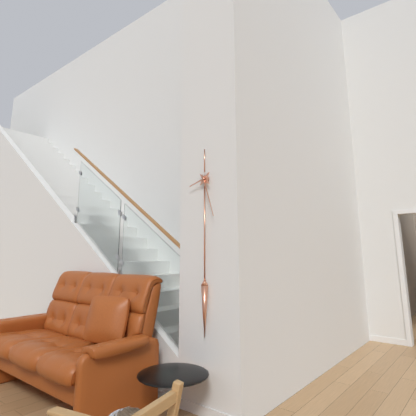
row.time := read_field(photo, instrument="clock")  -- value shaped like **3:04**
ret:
**8:27**
